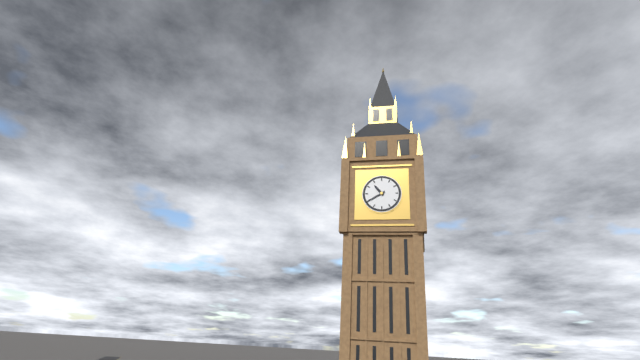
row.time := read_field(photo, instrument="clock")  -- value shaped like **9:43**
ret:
**10:40**
